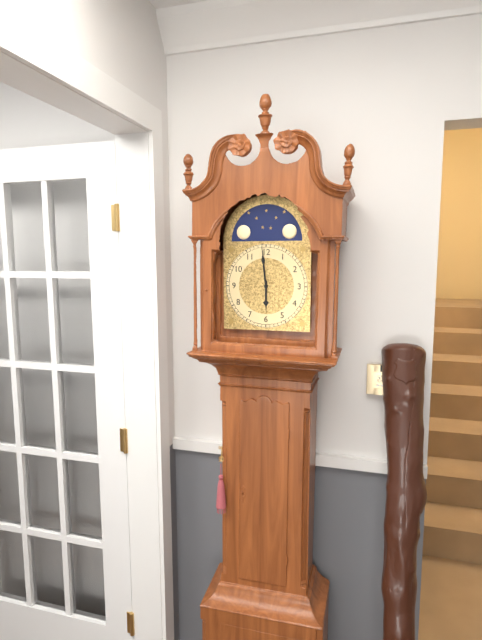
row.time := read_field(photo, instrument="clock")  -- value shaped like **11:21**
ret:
**5:59**
